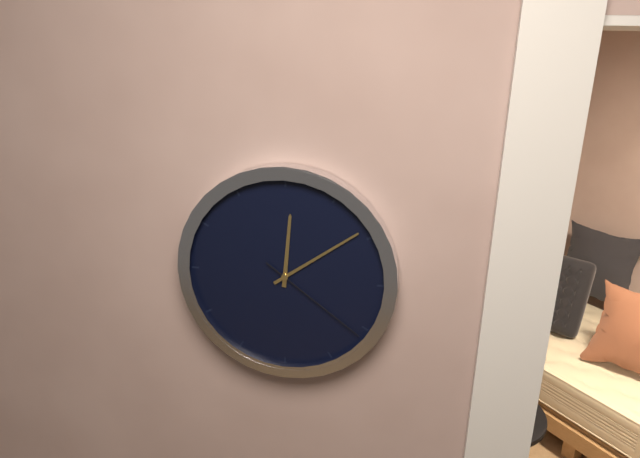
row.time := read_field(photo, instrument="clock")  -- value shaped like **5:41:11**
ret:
**12:09:21**
